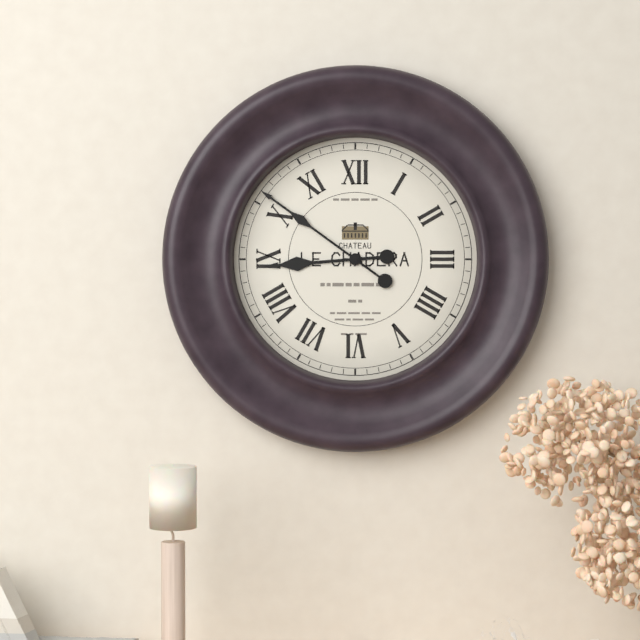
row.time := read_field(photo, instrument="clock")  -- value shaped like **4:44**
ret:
**8:51**
